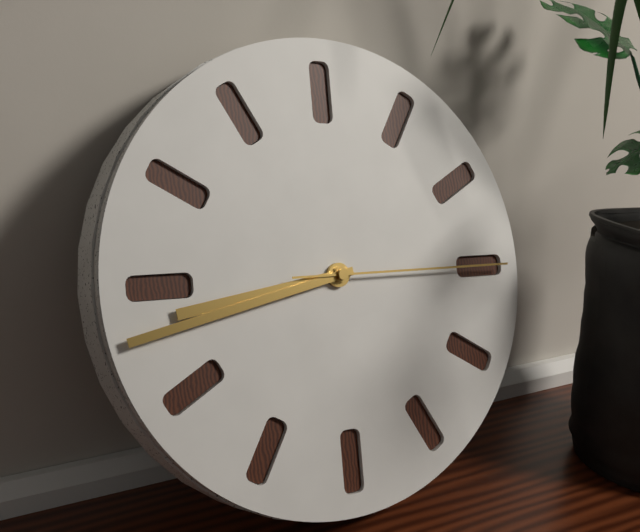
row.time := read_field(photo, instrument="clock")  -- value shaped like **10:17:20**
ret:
**8:43:15**
